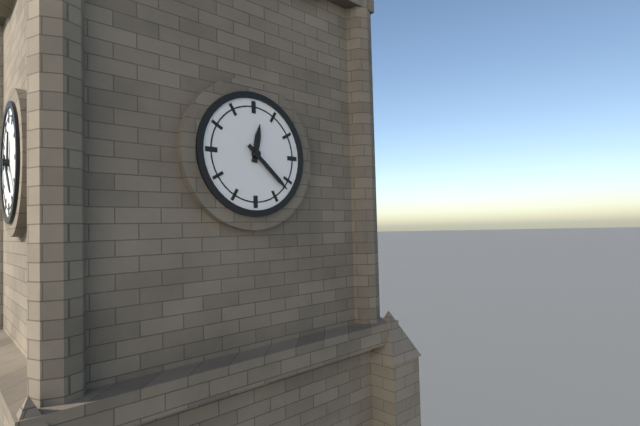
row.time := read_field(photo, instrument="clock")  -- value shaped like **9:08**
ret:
**12:22**
